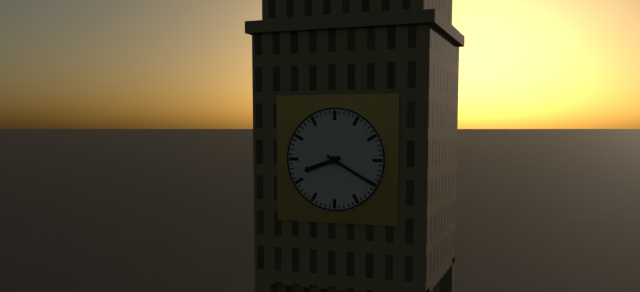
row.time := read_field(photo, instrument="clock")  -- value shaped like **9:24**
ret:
**8:20**
